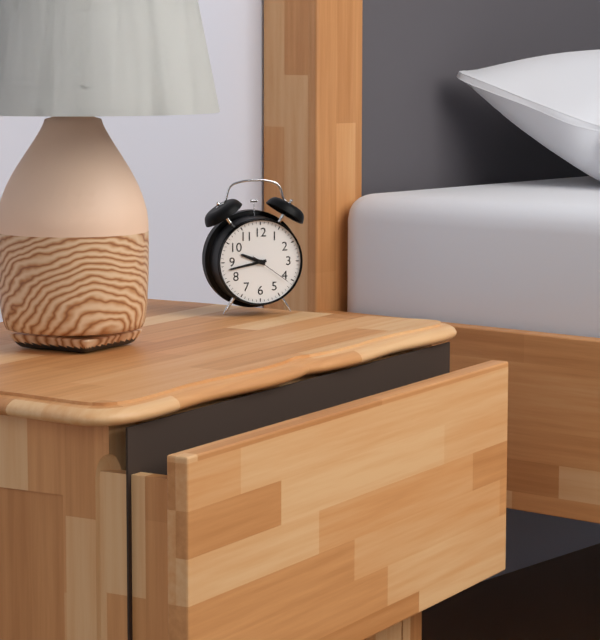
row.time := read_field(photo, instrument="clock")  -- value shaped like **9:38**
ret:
**9:43**
